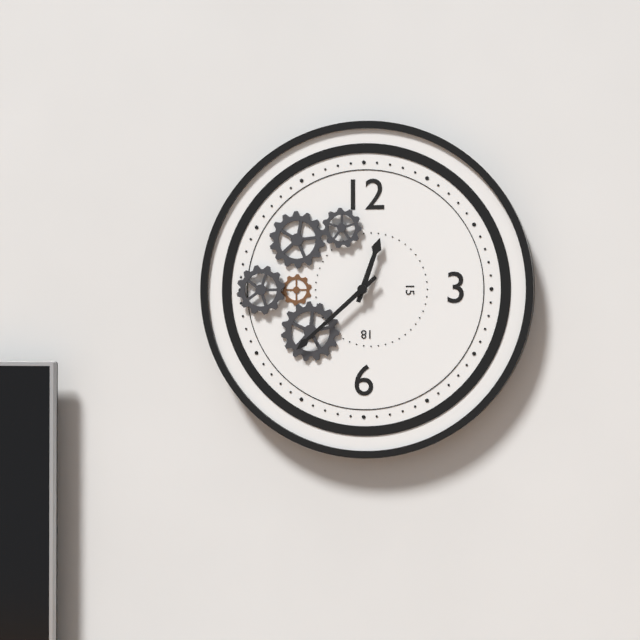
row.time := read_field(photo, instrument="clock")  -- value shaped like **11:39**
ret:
**12:38**
